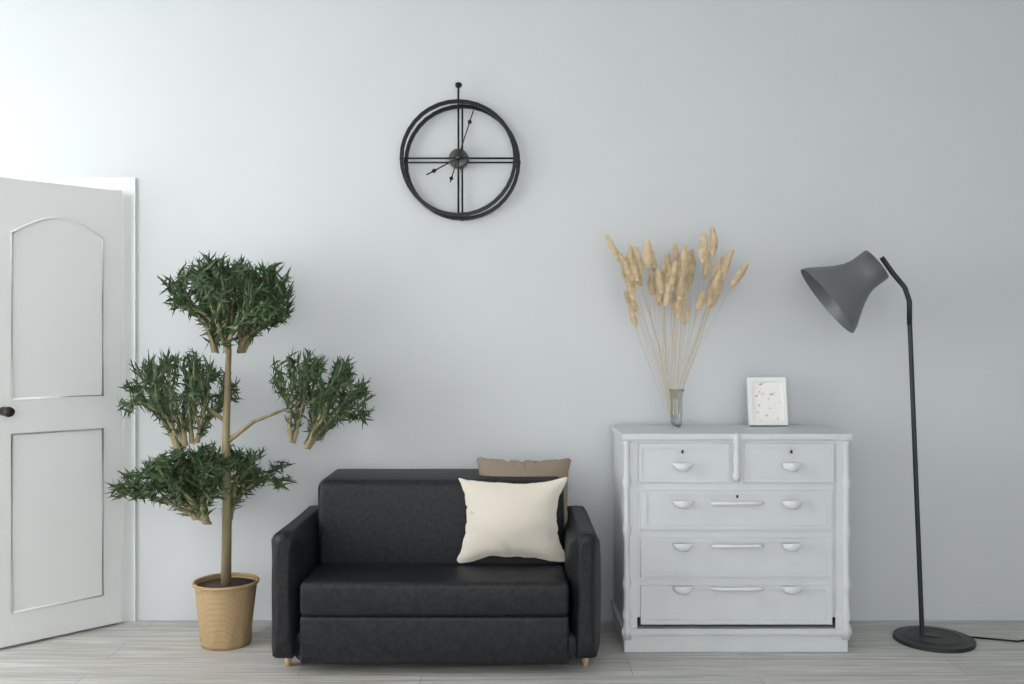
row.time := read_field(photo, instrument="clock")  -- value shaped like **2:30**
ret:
**8:03**
